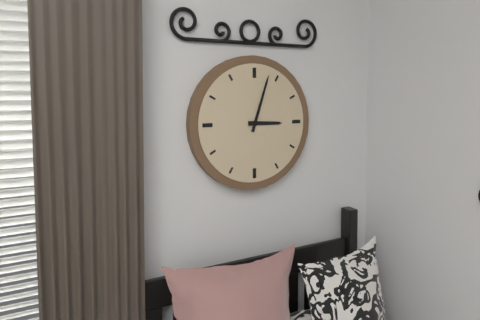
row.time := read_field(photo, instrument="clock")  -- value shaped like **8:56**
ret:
**3:03**
